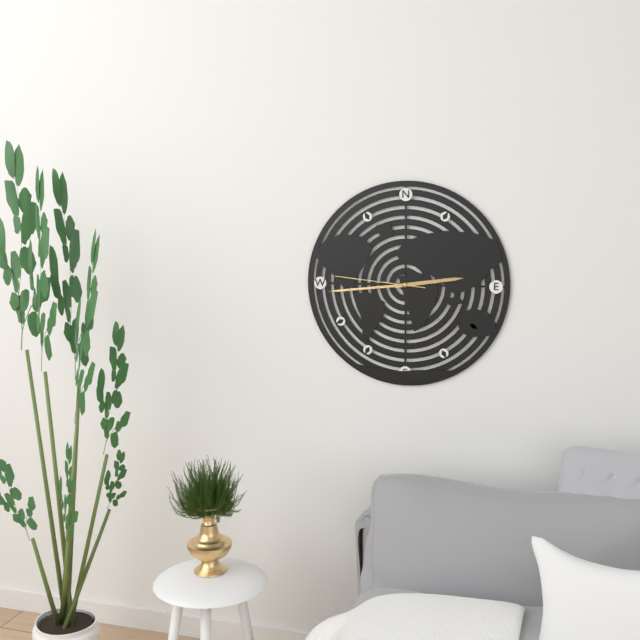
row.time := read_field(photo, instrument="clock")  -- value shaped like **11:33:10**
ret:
**2:44:46**
